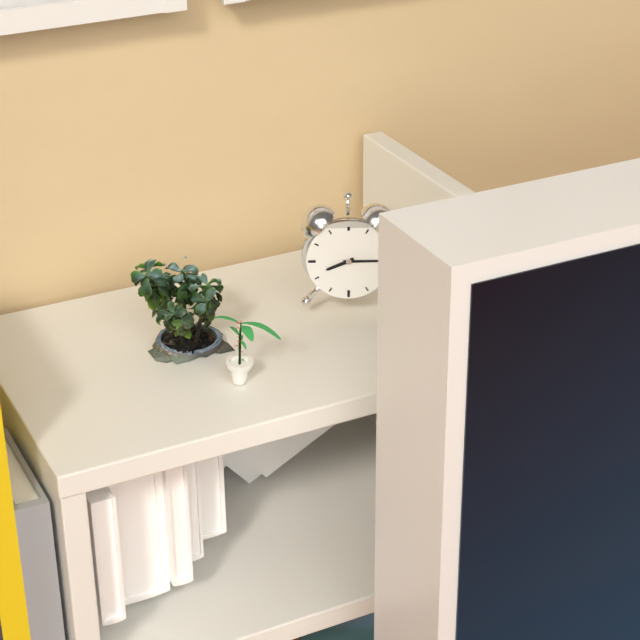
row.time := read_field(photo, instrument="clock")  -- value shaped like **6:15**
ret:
**8:15**
